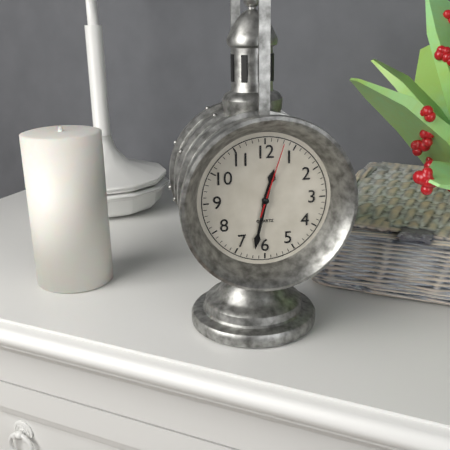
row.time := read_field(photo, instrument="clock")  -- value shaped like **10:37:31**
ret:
**12:32:03**
